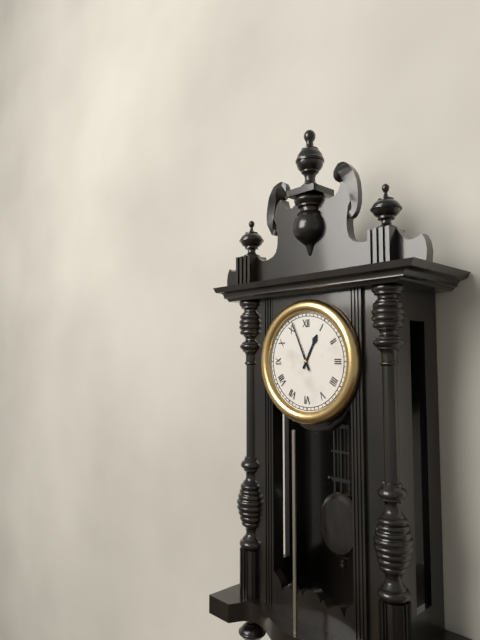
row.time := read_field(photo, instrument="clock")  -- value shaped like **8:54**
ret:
**12:56**
